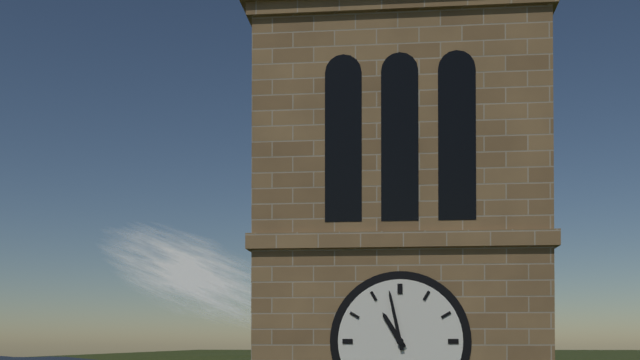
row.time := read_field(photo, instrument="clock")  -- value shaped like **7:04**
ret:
**10:58**
